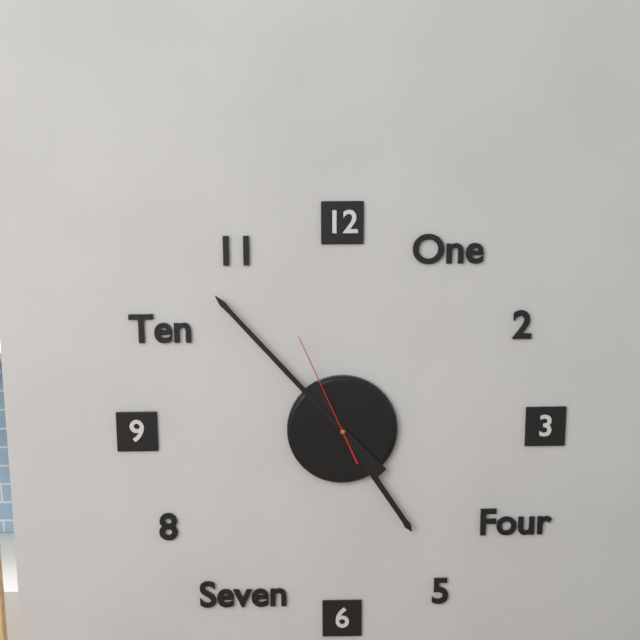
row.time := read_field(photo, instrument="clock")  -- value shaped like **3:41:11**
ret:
**4:53:56**
